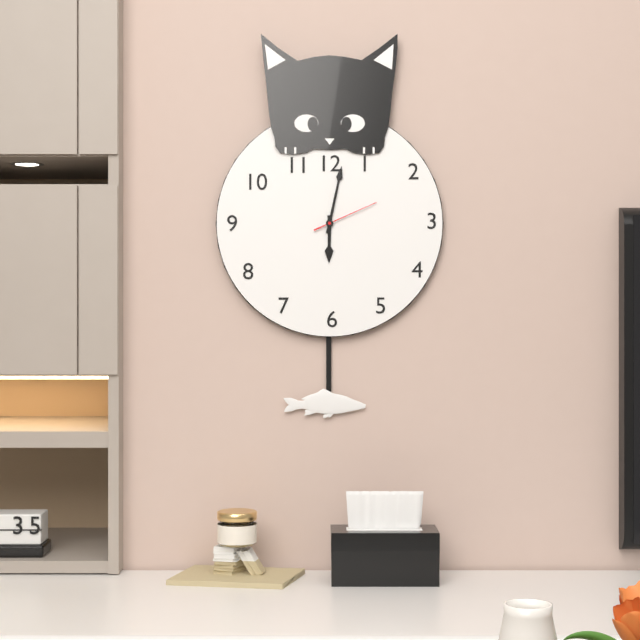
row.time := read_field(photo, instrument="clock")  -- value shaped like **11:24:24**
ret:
**6:02:11**
